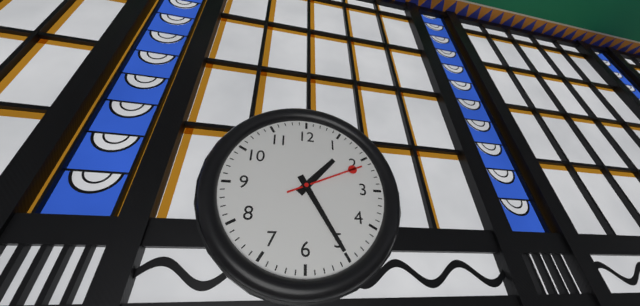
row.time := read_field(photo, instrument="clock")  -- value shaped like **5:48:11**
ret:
**1:25:11**
